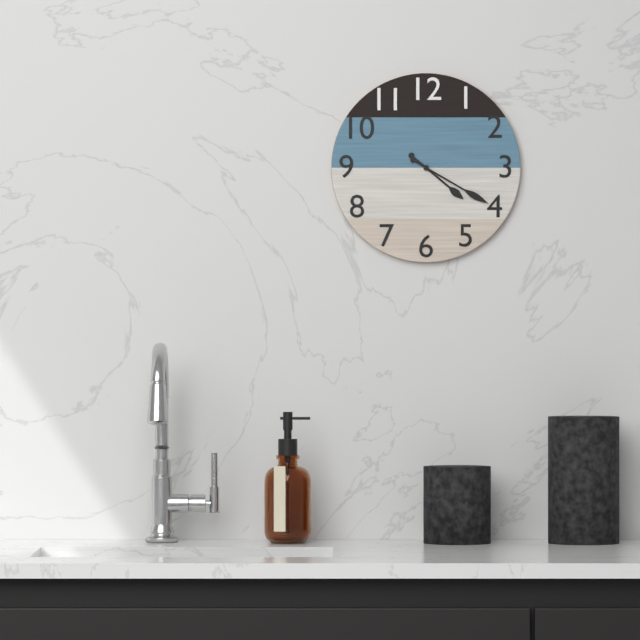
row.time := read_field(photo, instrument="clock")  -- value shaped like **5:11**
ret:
**4:20**
